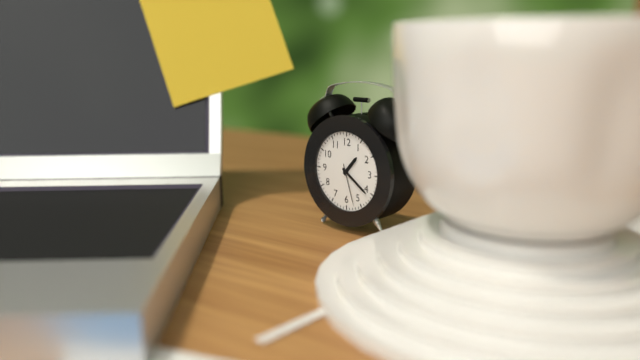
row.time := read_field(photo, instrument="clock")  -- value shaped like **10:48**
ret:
**1:21**
